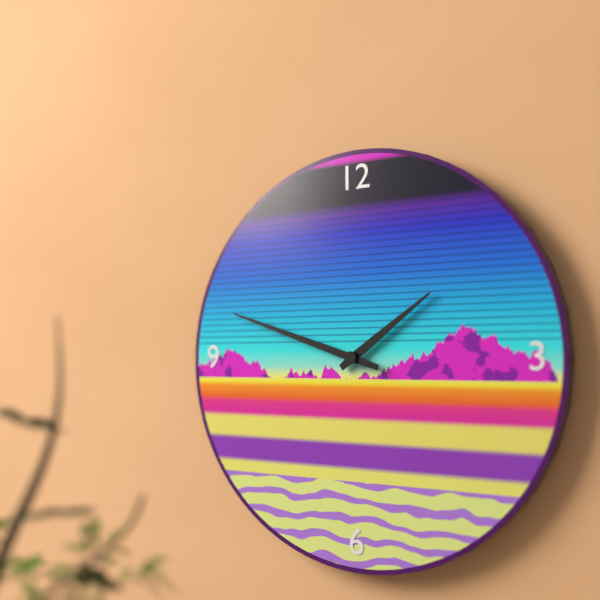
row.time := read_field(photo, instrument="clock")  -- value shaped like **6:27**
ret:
**1:48**
